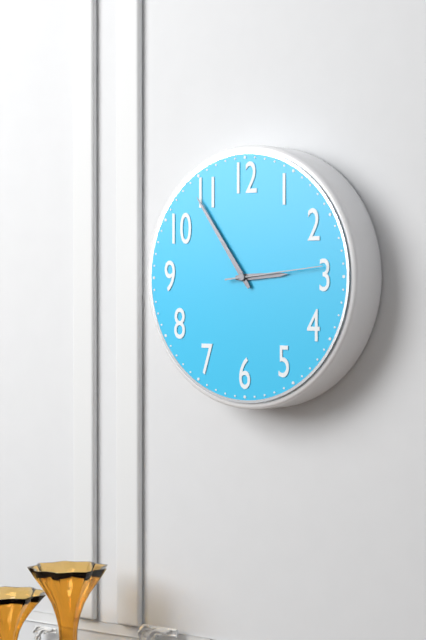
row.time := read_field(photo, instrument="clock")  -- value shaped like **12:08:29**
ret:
**2:54:14**
